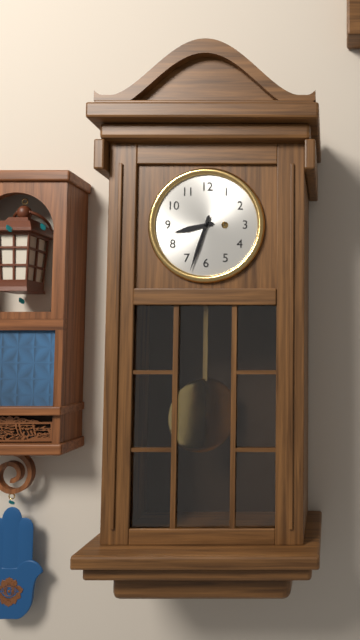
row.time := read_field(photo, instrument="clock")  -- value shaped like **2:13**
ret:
**8:33**
